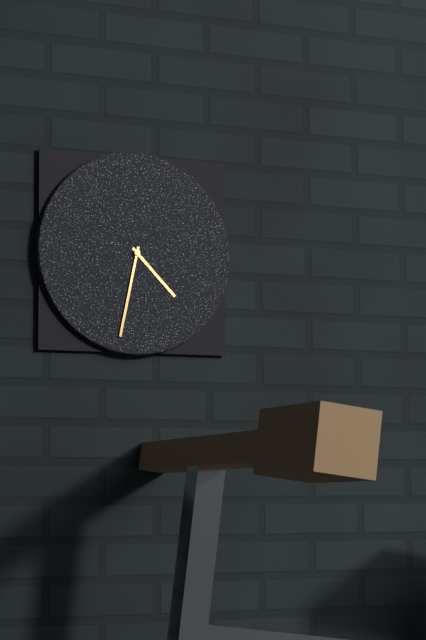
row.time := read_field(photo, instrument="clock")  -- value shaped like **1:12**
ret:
**4:32**
